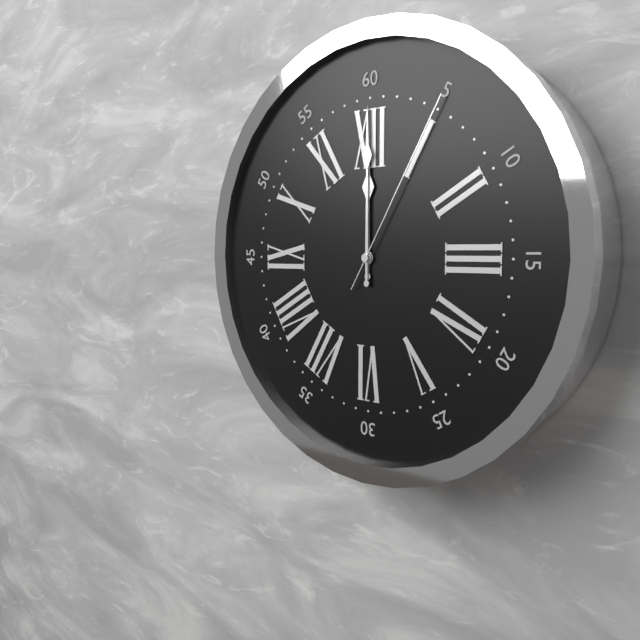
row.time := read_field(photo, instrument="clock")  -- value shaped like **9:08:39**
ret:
**12:00:05**
